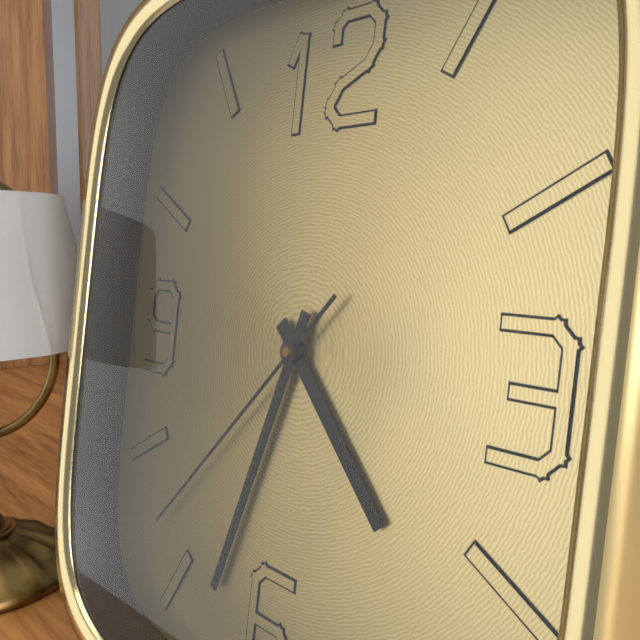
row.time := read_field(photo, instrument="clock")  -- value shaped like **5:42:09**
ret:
**4:33:37**
